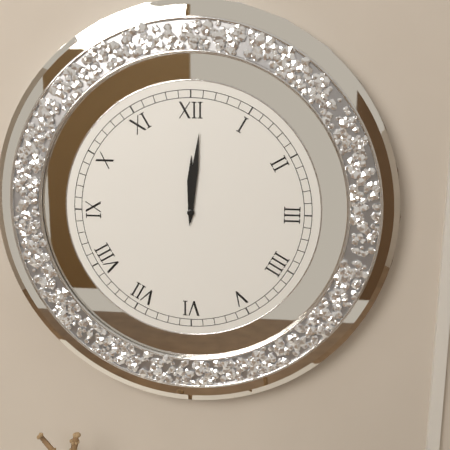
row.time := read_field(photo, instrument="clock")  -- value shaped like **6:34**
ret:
**12:01**
